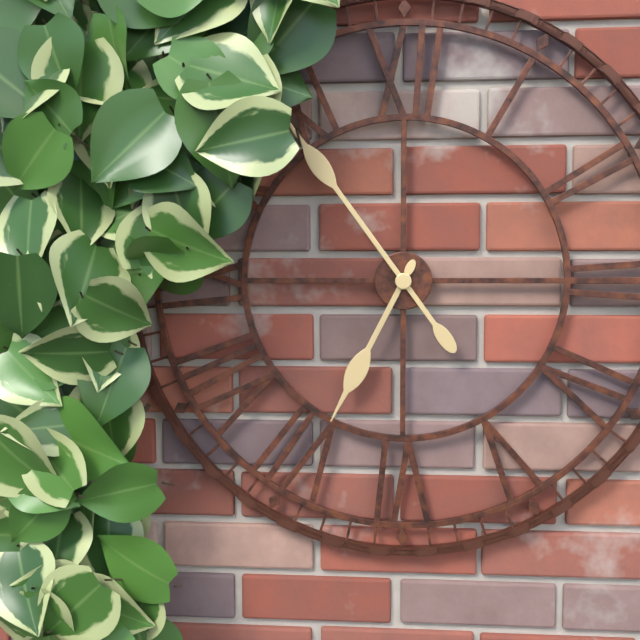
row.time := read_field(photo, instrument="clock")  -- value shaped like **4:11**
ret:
**6:54**
